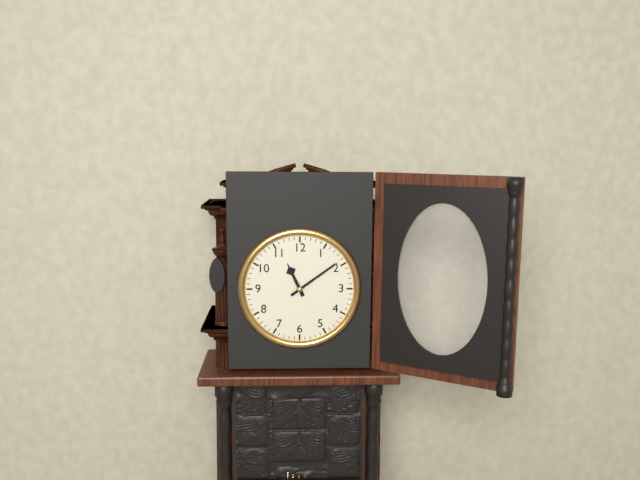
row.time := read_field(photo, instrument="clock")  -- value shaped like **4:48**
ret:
**11:09**
